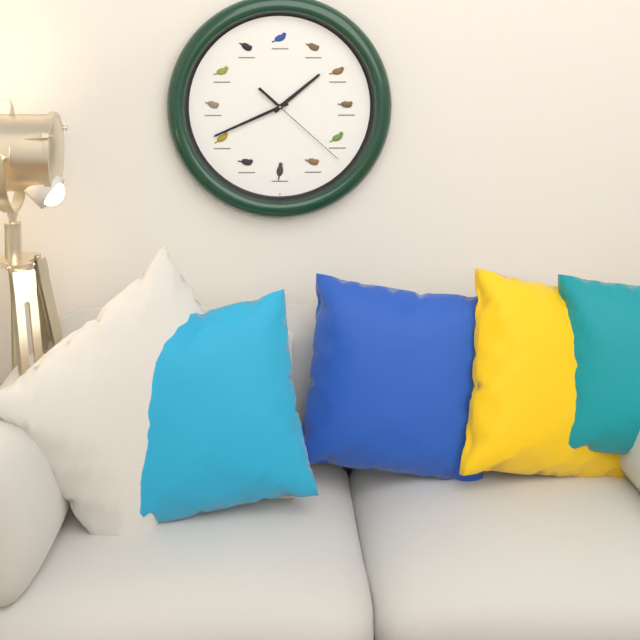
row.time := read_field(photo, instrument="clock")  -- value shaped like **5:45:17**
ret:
**1:41:22**
